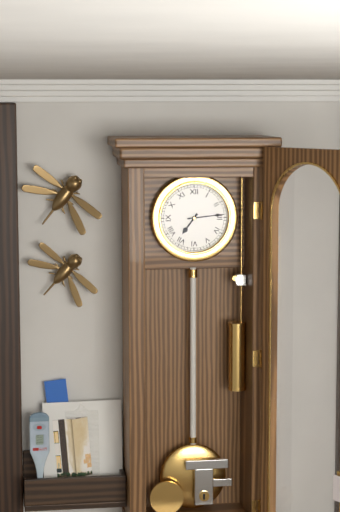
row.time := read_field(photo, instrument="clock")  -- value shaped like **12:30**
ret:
**7:14**
